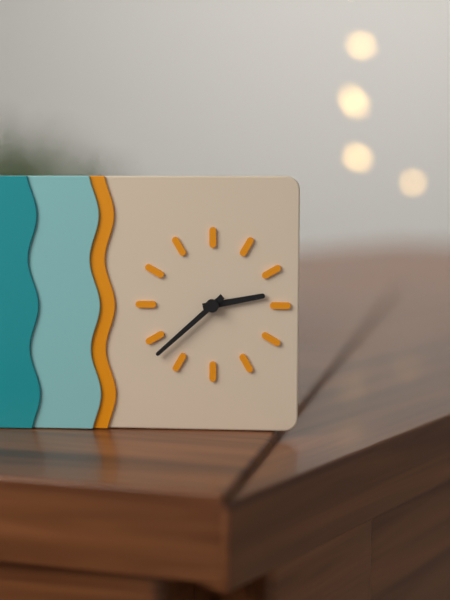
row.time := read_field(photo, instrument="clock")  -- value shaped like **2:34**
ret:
**2:38**
